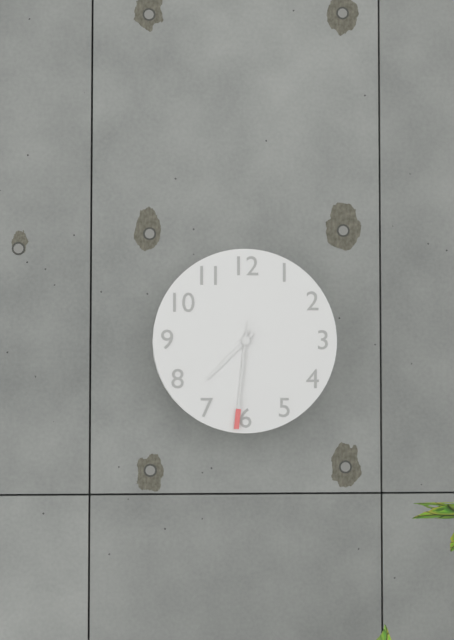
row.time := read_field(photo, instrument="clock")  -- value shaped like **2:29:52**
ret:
**7:31:31**
